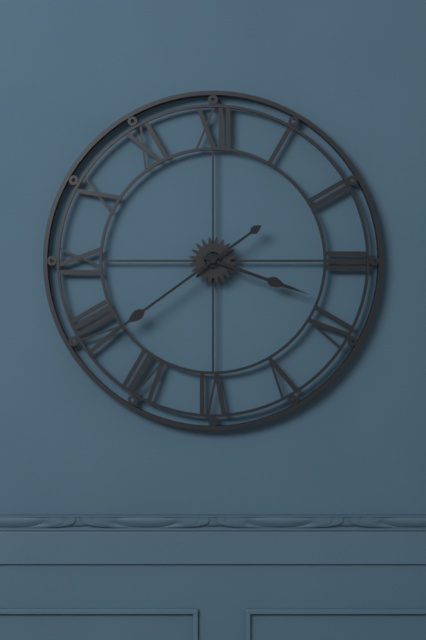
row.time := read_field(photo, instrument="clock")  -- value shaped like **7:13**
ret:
**3:39**
